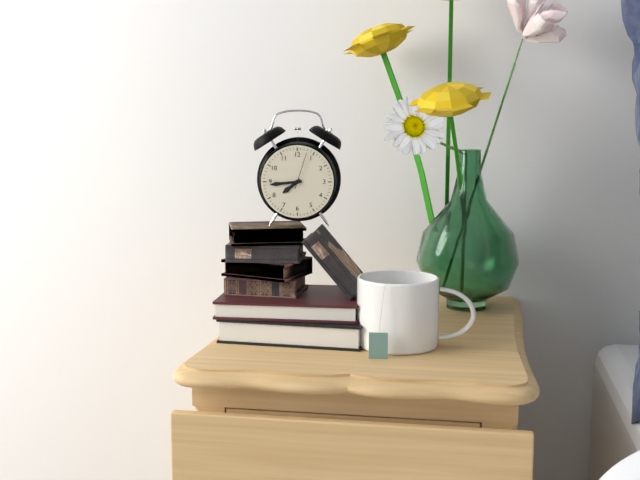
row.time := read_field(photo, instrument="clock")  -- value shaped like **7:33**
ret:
**7:44**
